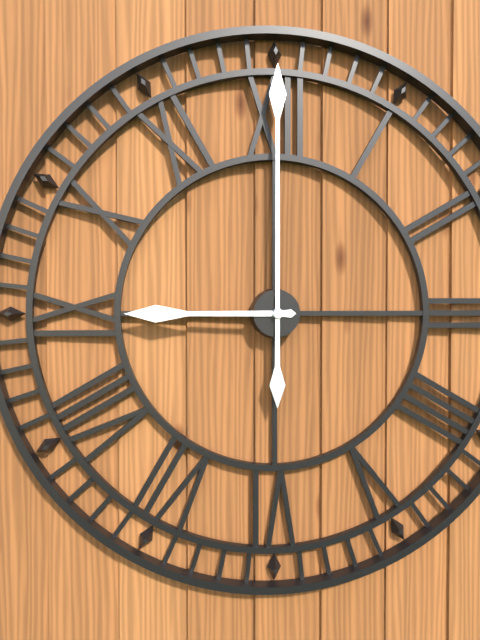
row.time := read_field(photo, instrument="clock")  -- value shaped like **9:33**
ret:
**9:00**
